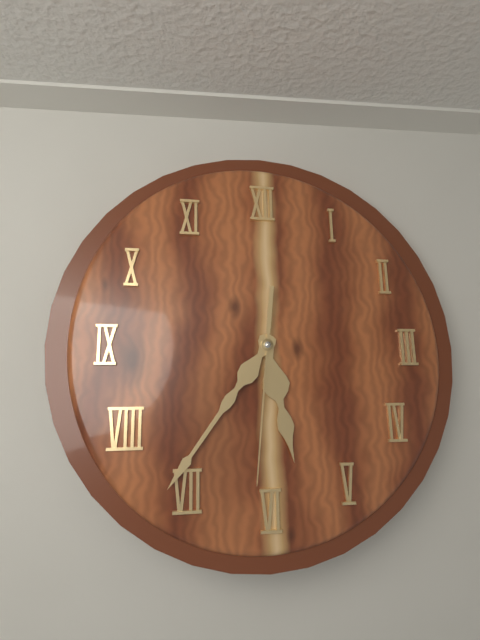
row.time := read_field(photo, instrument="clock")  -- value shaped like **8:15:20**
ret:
**5:36:31**
